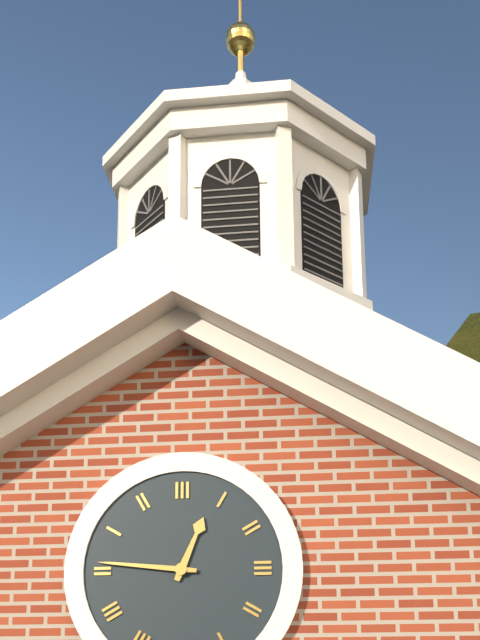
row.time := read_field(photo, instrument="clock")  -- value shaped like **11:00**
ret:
**12:46**
